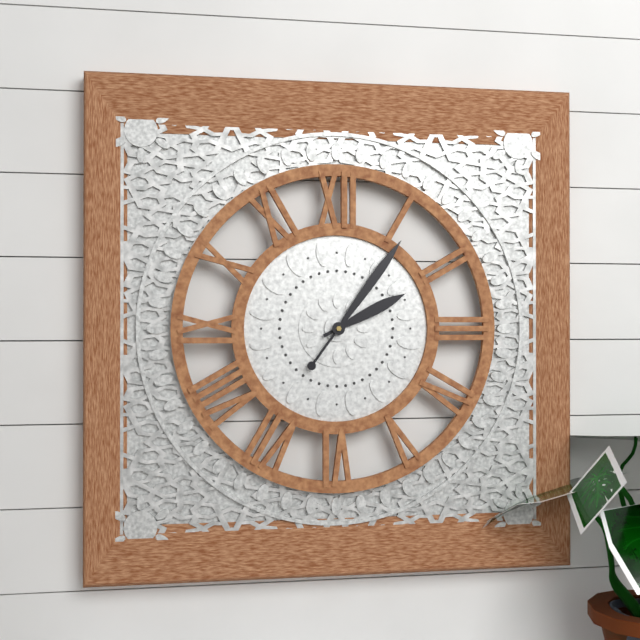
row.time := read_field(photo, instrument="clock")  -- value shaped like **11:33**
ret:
**2:06**
